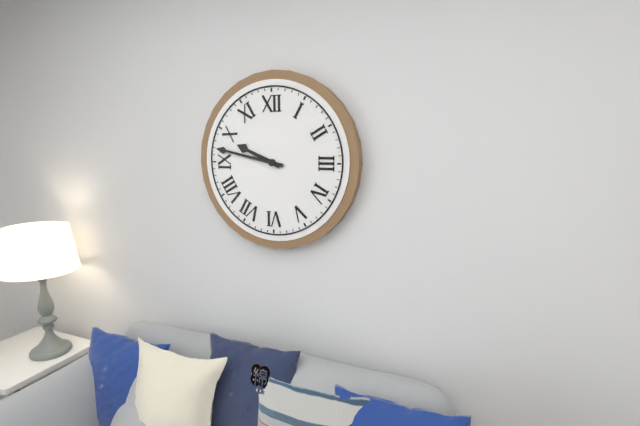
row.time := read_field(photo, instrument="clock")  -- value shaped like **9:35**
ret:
**9:47**
